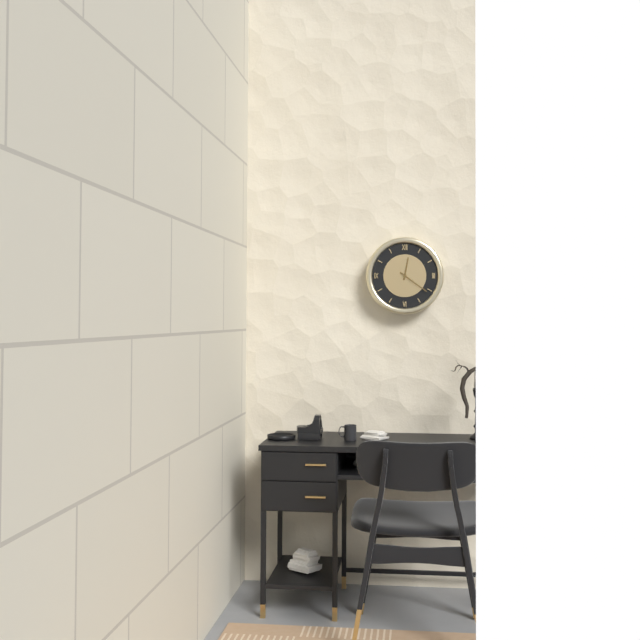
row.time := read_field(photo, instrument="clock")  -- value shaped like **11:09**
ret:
**12:21**
